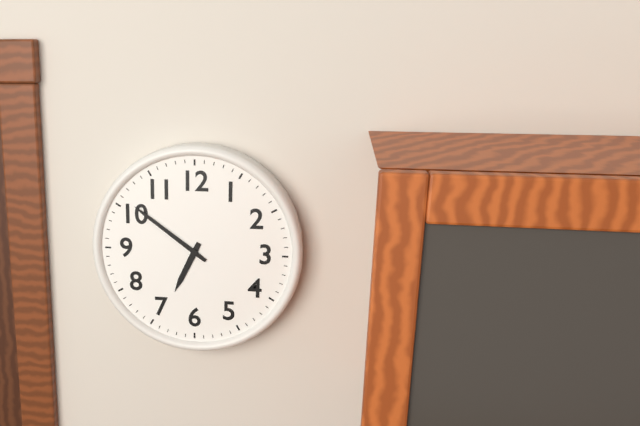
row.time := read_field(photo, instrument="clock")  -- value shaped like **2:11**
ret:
**6:51**
